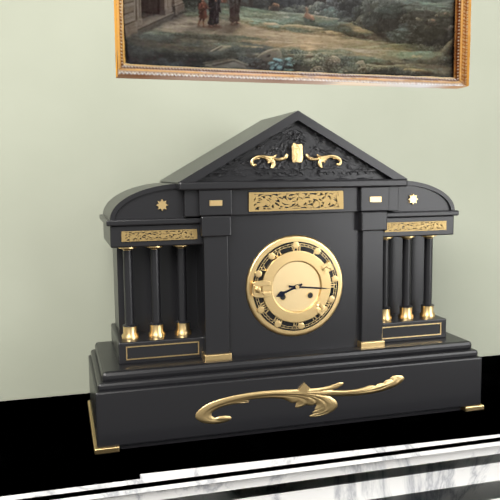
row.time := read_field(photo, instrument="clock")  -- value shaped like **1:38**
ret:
**8:16**
